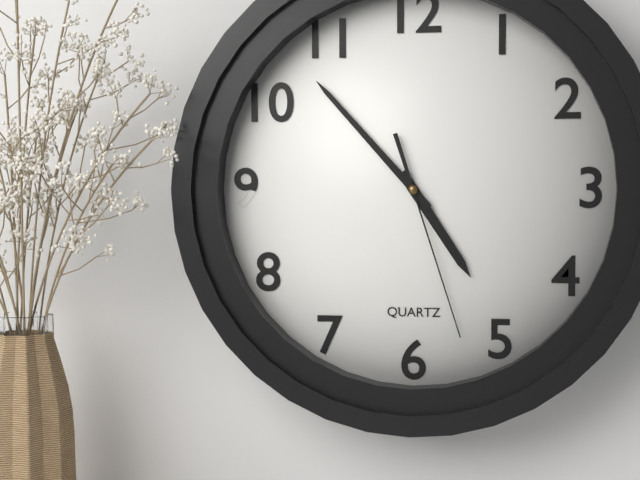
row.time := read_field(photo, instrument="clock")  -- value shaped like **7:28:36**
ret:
**4:53:27**
